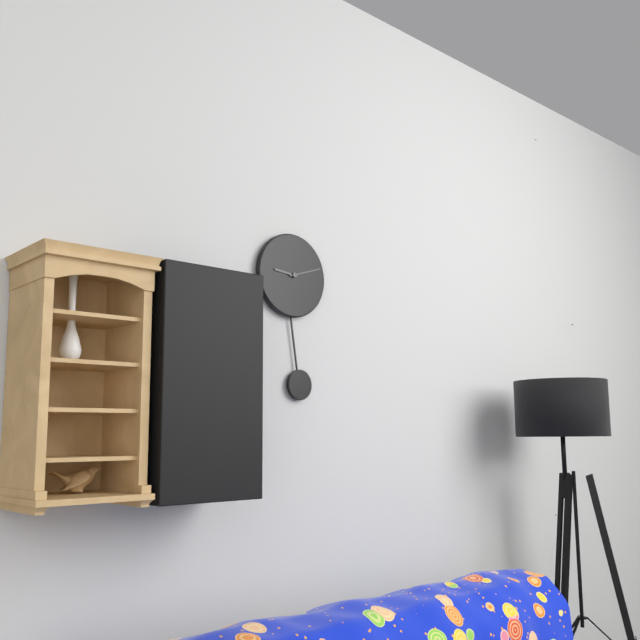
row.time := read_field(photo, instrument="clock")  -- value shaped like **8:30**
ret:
**9:12**
